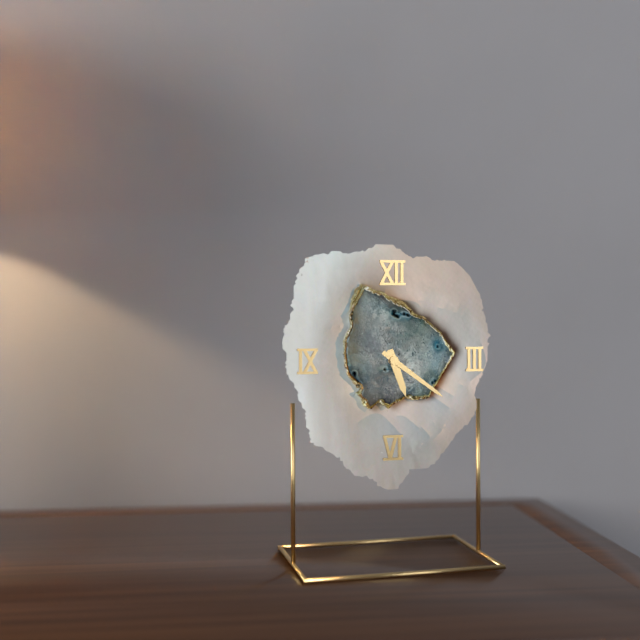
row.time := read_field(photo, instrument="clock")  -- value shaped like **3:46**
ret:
**5:21**
